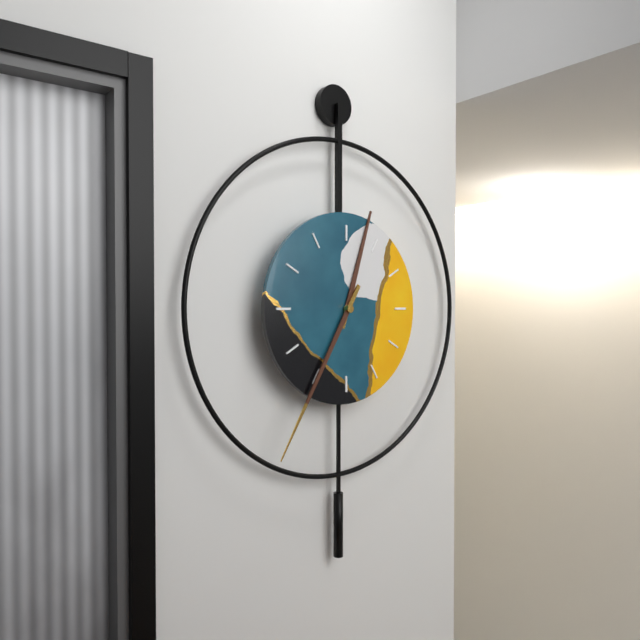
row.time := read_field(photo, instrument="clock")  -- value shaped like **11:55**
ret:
**12:35**
